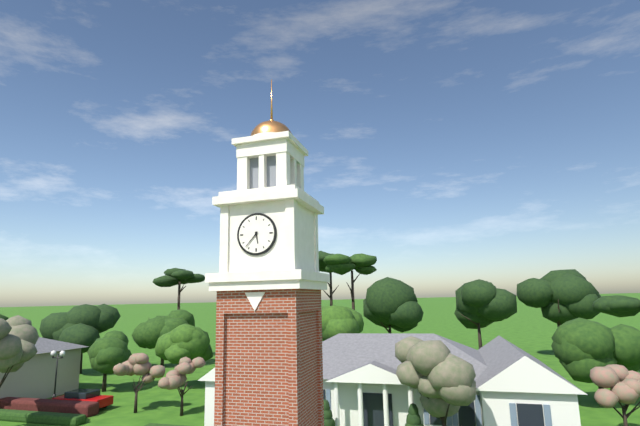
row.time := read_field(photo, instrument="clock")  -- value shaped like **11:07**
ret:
**5:37**
